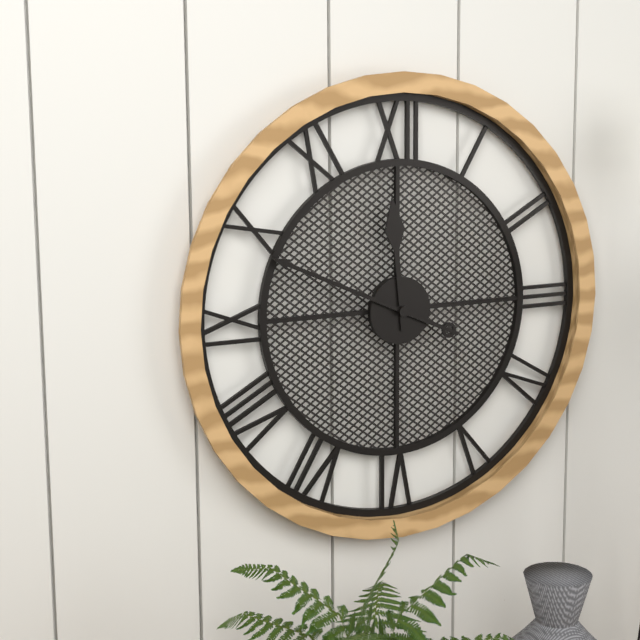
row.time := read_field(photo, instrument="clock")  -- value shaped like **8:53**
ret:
**11:49**
